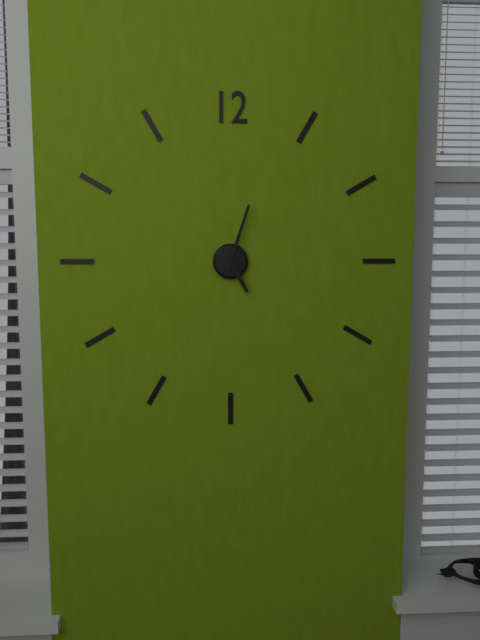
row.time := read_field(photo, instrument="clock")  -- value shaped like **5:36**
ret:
**5:03**
